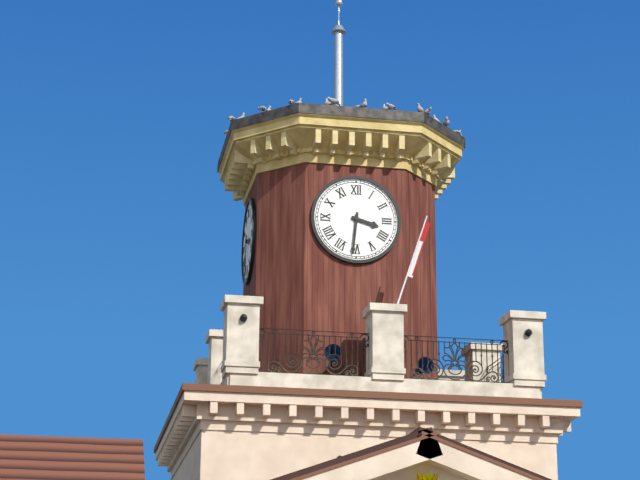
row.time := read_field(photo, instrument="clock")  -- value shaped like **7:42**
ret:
**3:31**
